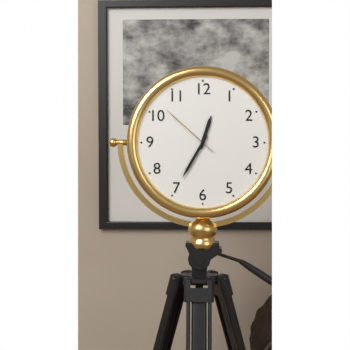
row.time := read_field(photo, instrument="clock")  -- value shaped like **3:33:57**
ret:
**12:35:52**
